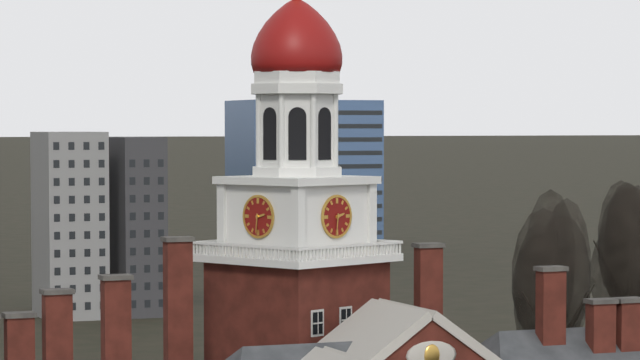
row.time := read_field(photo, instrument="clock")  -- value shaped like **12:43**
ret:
**2:31**
